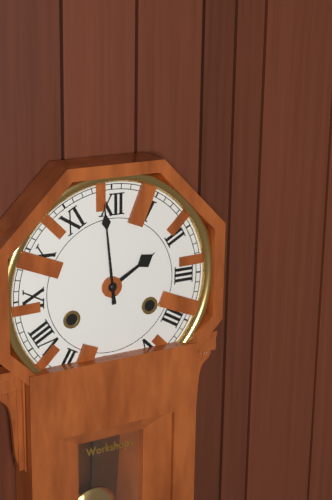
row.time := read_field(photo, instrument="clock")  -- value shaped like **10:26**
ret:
**1:59**
